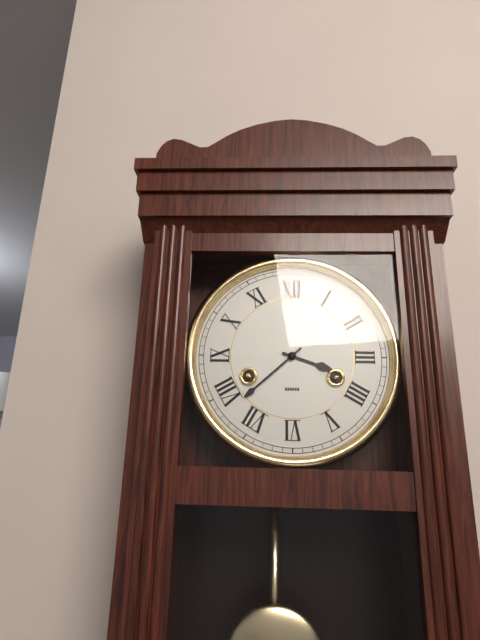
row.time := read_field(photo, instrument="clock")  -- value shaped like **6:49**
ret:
**3:38**
